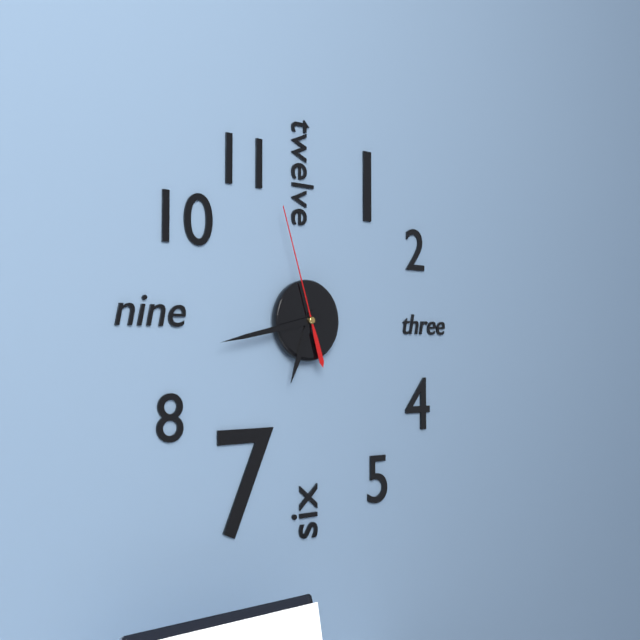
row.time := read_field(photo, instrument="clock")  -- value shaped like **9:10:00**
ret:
**6:43:57**
